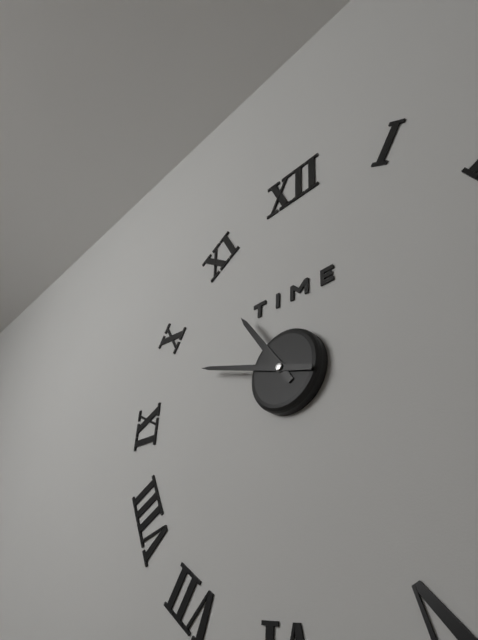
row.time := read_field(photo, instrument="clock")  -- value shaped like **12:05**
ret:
**10:48**
